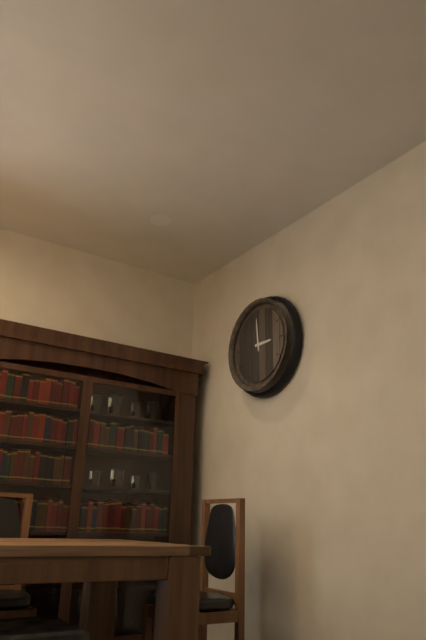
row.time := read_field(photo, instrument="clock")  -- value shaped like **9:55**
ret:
**2:59**
